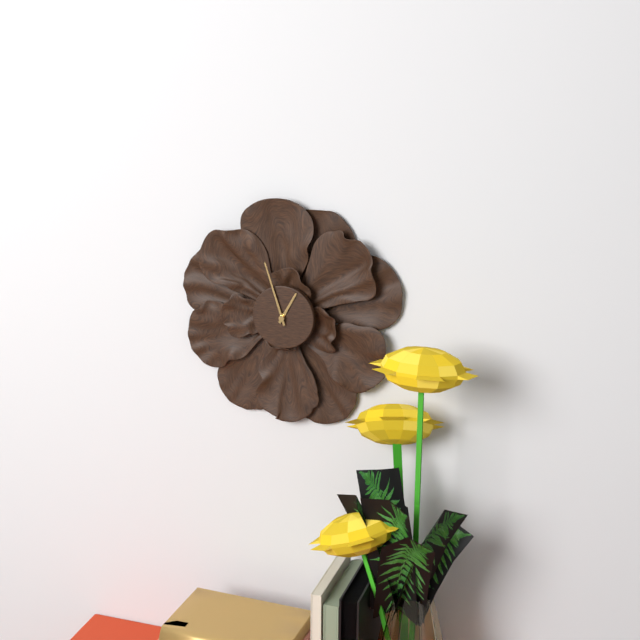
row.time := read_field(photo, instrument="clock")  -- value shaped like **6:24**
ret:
**12:57**
